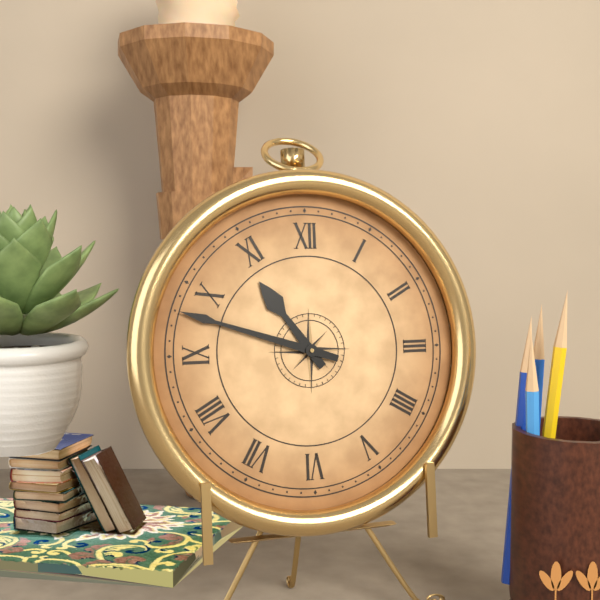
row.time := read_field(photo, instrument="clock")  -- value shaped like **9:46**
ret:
**10:48**
